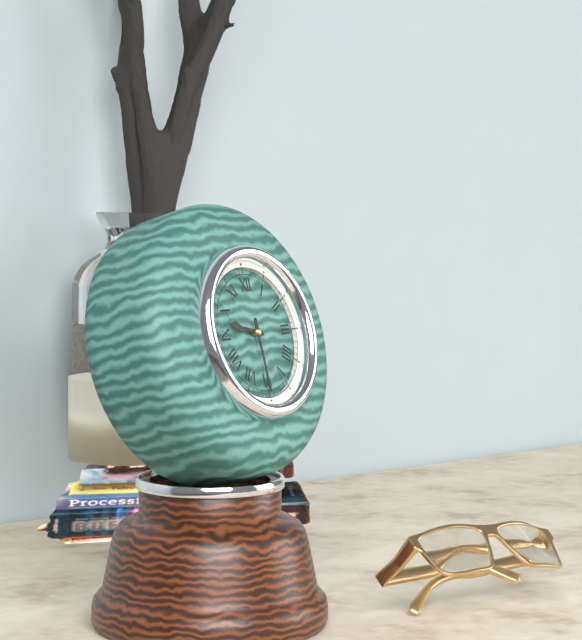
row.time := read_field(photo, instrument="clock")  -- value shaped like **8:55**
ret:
**9:30**
